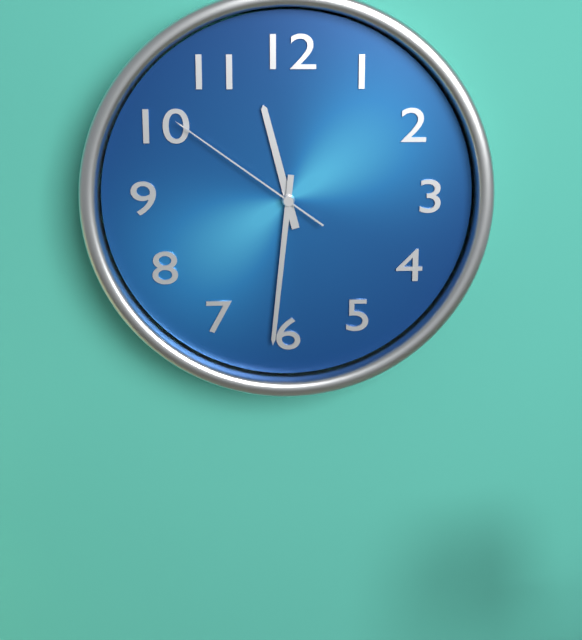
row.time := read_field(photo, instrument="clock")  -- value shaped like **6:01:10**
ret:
**11:31:51**
